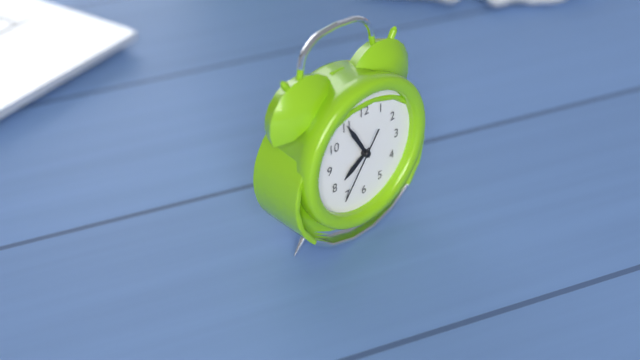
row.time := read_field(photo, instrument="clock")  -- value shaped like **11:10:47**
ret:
**7:55:36**
